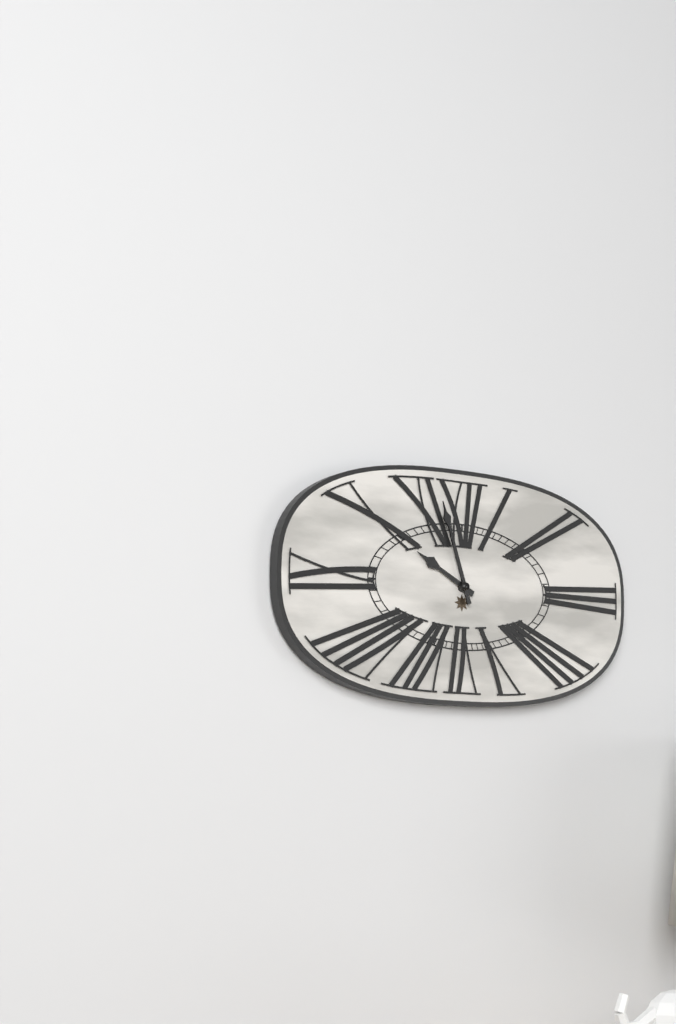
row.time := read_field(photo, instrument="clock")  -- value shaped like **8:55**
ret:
**9:57**
